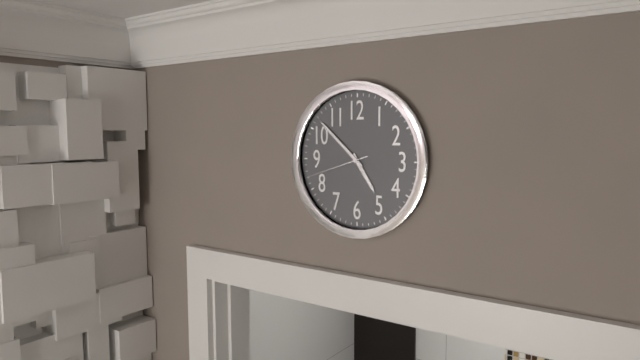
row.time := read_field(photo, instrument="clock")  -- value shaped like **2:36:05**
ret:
**4:52:42**
